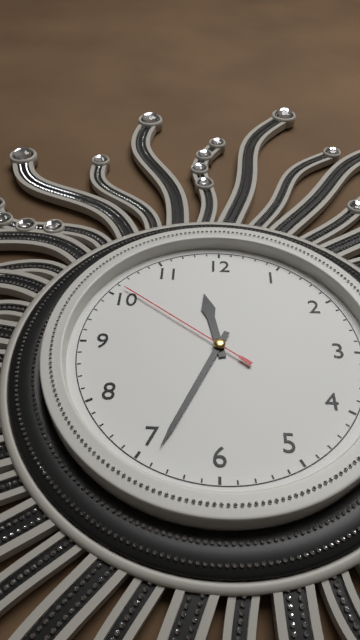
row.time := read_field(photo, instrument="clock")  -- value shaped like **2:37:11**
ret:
**11:34:51**
